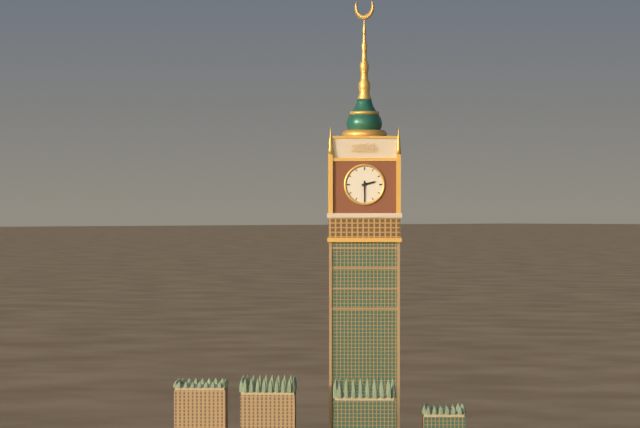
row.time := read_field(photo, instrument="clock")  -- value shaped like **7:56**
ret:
**2:30**
